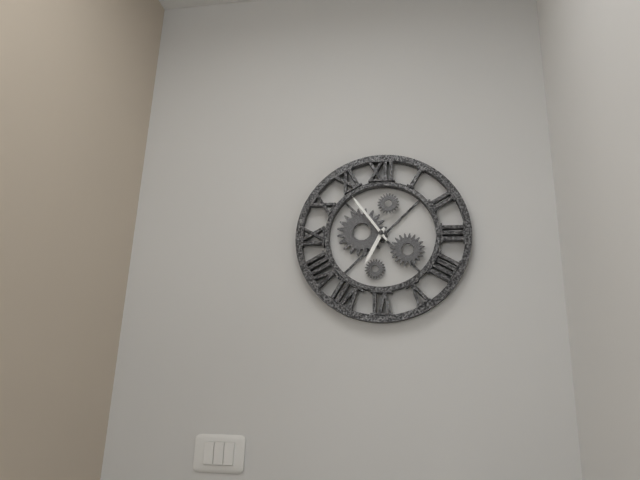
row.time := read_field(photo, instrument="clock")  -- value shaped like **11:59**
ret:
**6:54**
